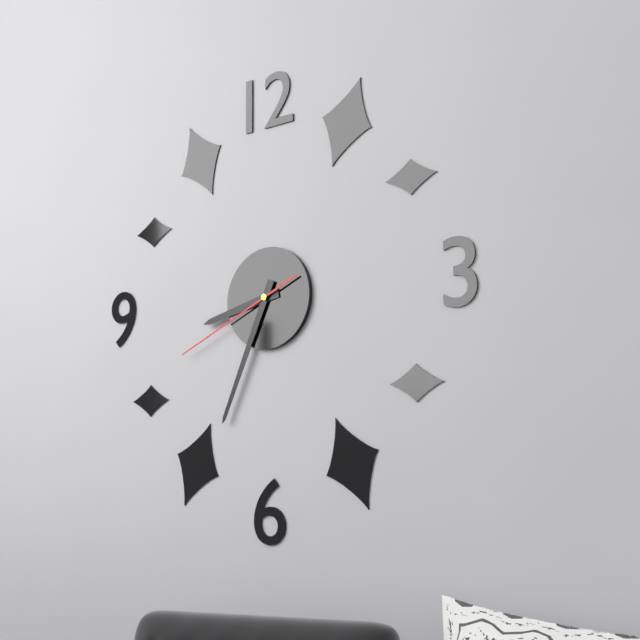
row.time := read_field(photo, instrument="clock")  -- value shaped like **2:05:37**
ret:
**8:34:41**
